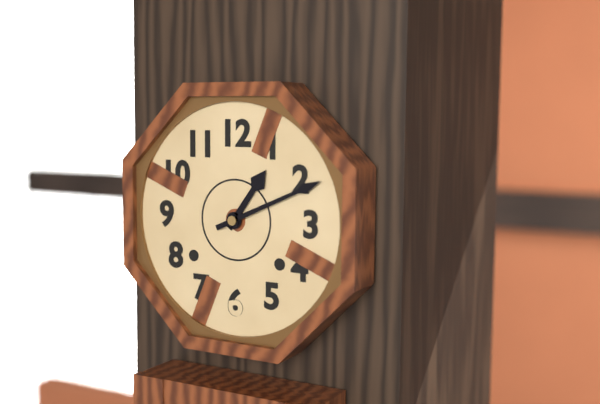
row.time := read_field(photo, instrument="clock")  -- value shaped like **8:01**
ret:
**1:11**
